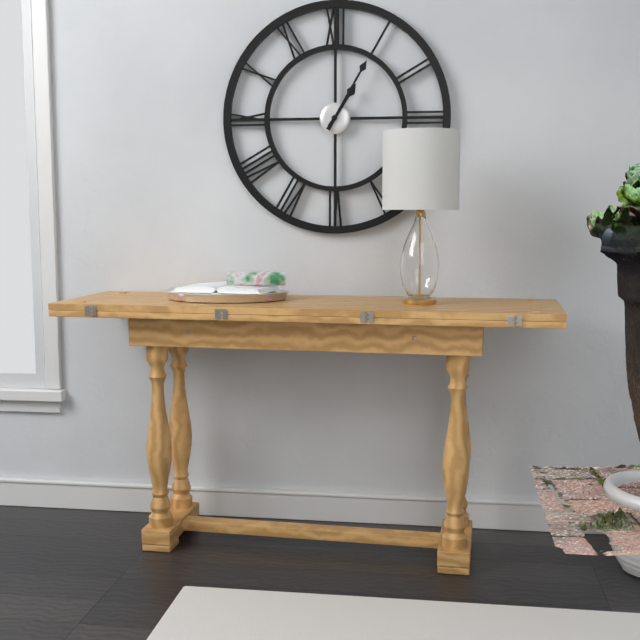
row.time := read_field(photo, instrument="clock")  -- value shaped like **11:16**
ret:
**1:05**
